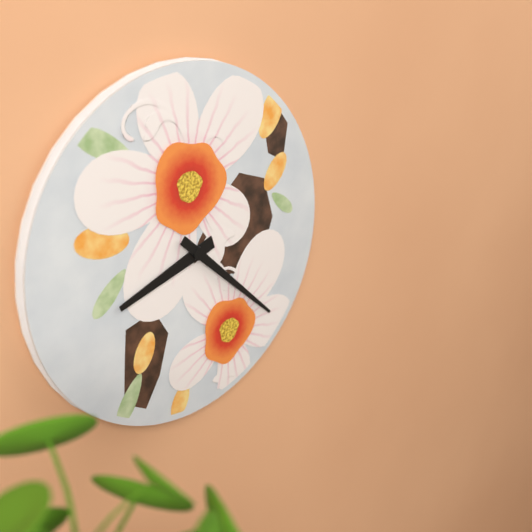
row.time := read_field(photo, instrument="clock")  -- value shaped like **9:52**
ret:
**8:22**
